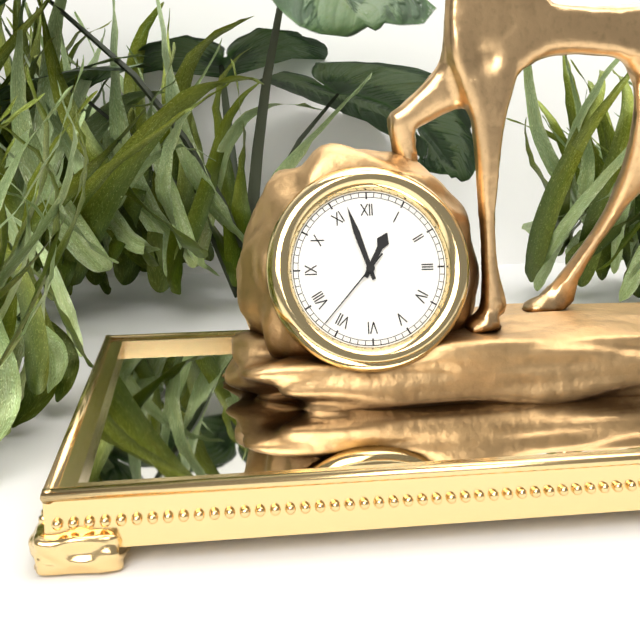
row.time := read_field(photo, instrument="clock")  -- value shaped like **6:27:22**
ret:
**12:57:37**
